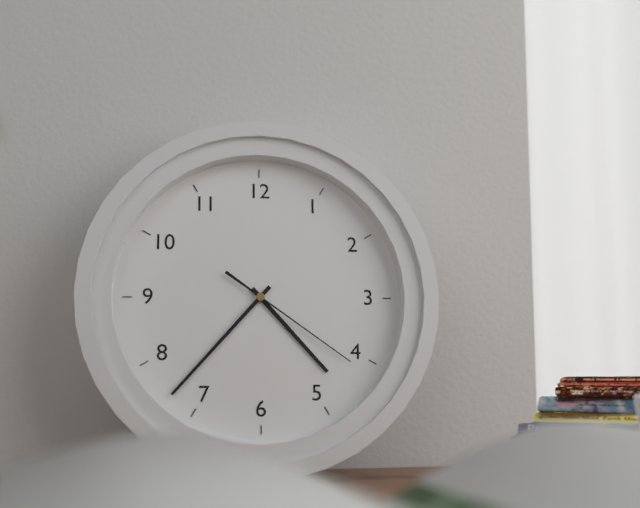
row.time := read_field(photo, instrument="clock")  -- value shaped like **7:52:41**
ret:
**4:37:21**
